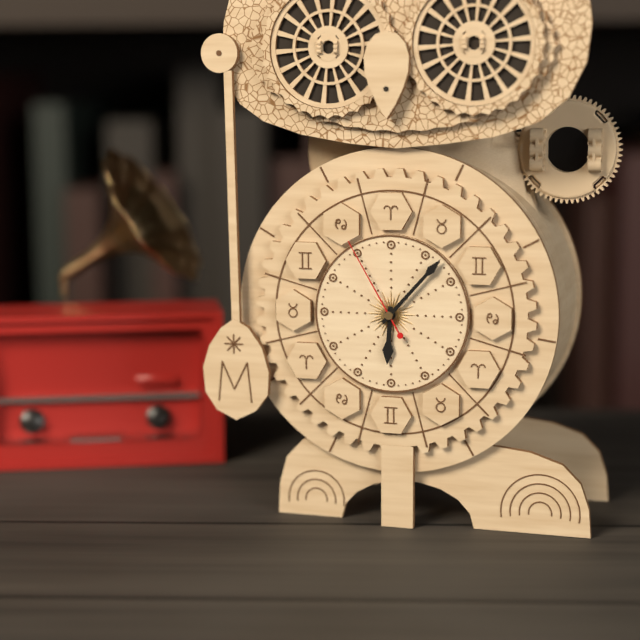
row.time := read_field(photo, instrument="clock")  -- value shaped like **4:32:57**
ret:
**6:07:55**
